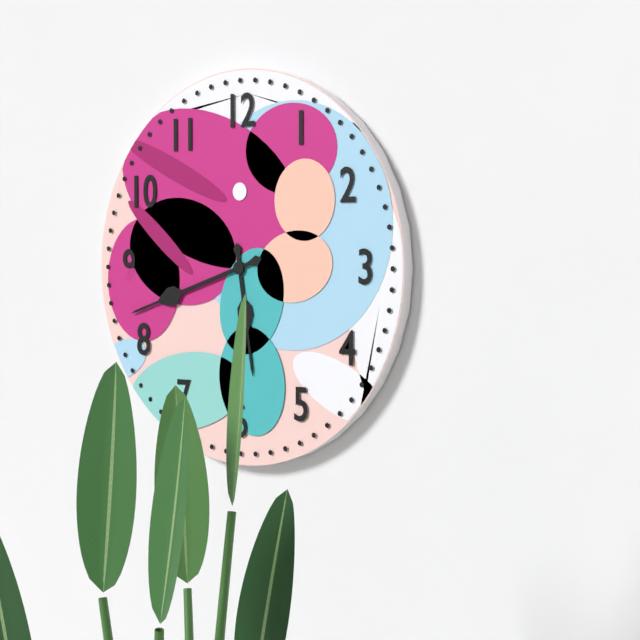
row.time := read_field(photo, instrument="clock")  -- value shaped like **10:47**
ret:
**5:42**
